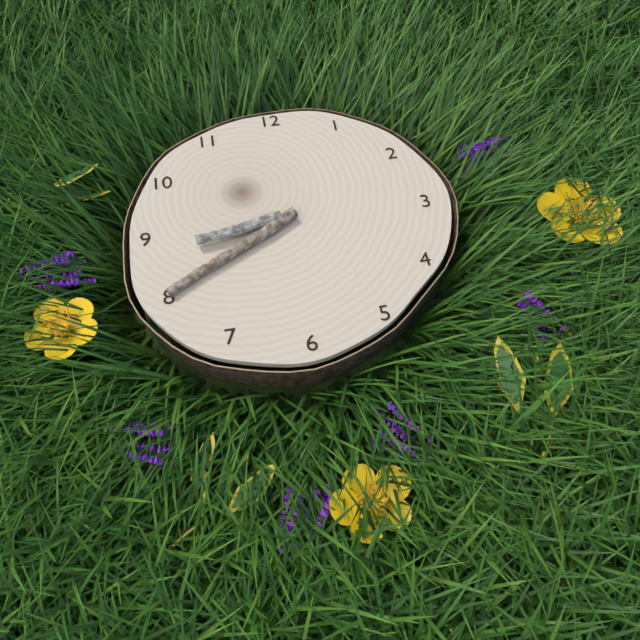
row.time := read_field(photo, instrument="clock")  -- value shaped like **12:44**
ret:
**8:40**
